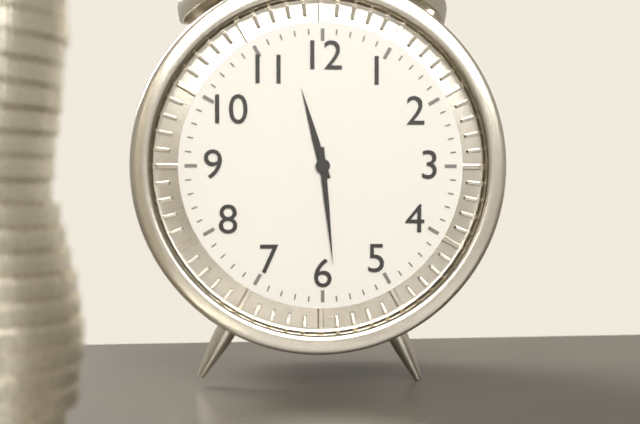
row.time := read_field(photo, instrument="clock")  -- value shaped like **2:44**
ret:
**11:29**
